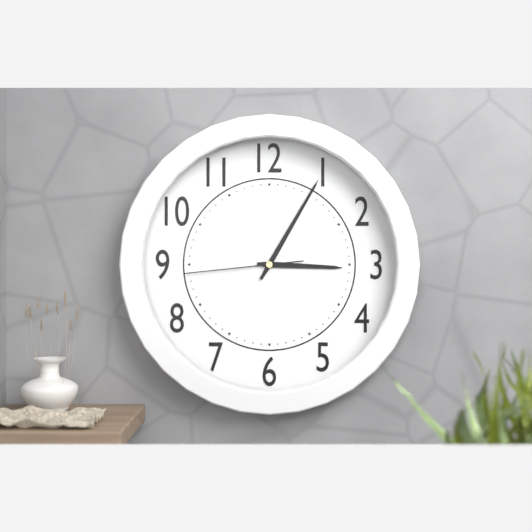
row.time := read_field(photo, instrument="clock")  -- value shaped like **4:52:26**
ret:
**3:05:44**
